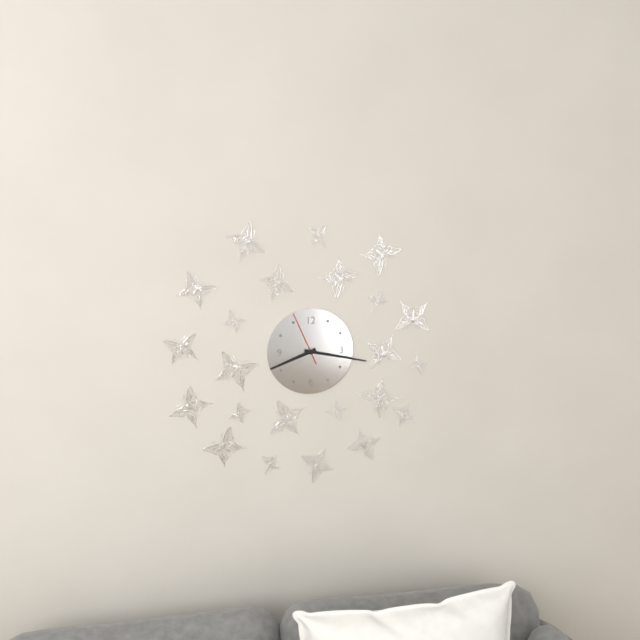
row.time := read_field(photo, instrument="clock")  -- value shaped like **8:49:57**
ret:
**8:17:56**
